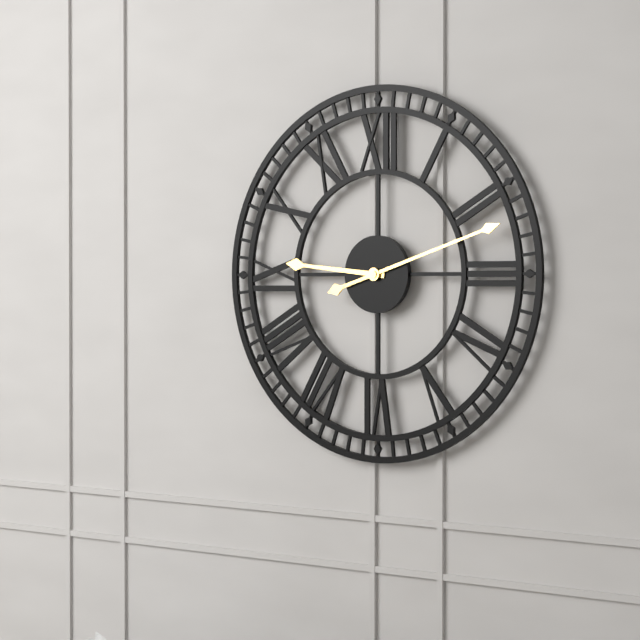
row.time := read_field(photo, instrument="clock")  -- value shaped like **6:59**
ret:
**9:12**
